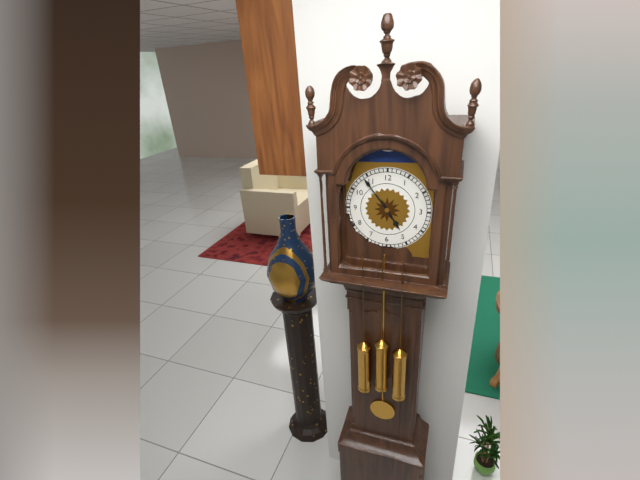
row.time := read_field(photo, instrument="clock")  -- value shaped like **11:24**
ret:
**4:54**
